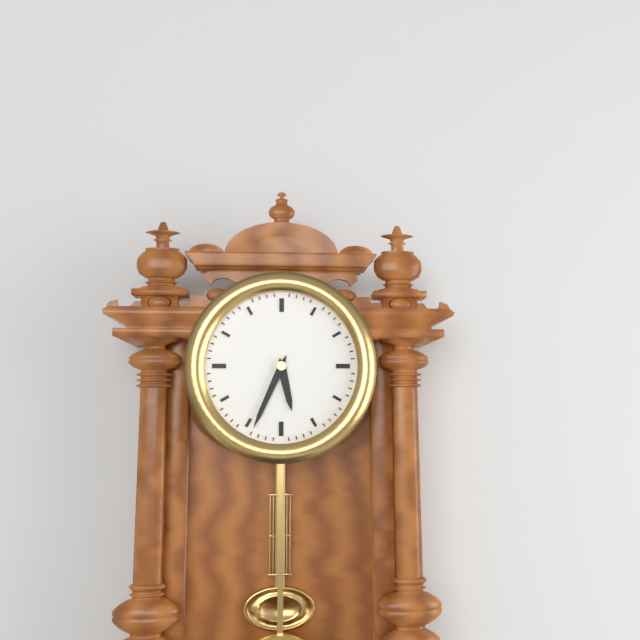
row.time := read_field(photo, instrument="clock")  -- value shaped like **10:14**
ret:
**5:34**
